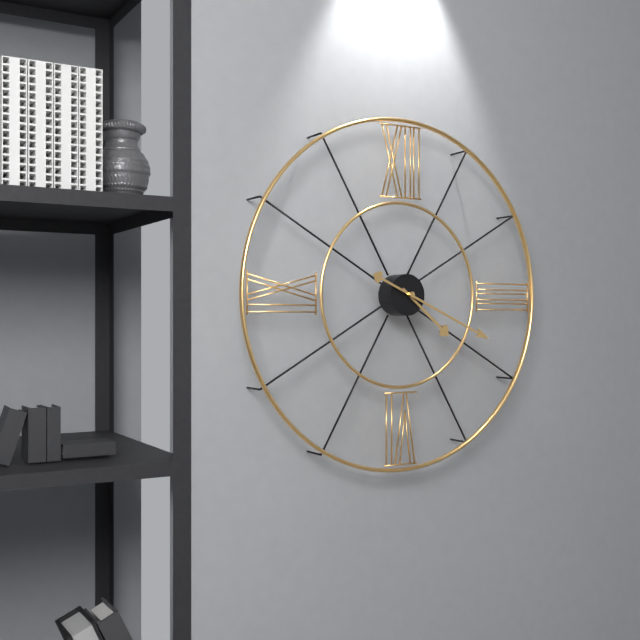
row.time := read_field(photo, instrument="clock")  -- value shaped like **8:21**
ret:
**4:19**
